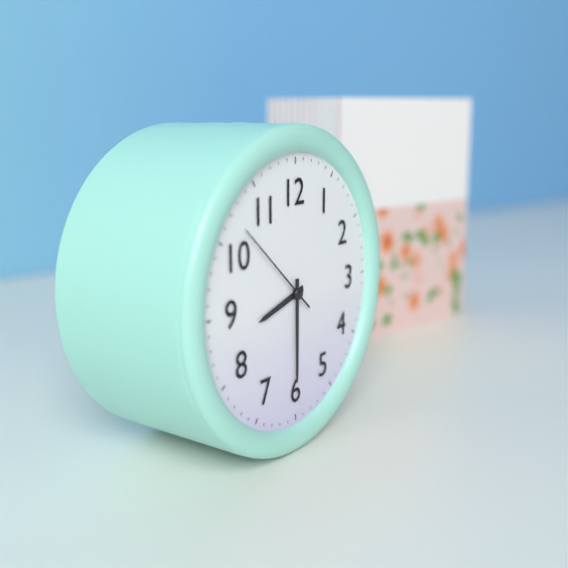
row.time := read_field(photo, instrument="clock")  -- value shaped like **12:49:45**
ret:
**8:30:52**
